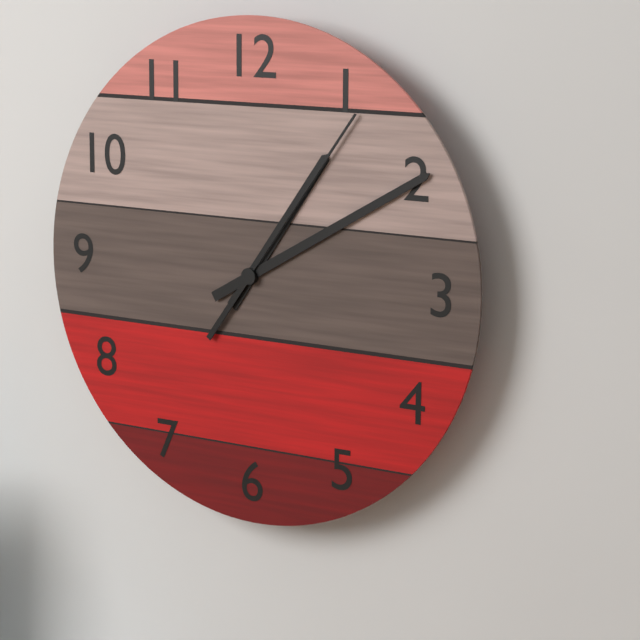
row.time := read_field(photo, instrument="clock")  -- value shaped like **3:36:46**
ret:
**1:10:06**
